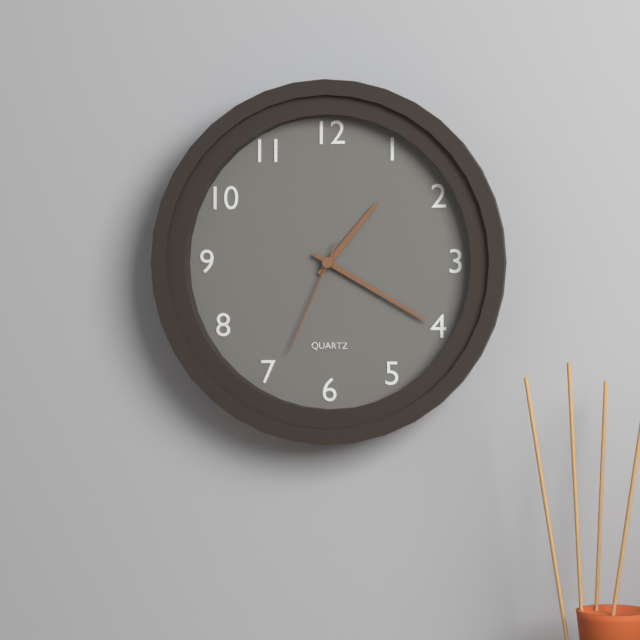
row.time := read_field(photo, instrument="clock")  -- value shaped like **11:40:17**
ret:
**1:20:34**
